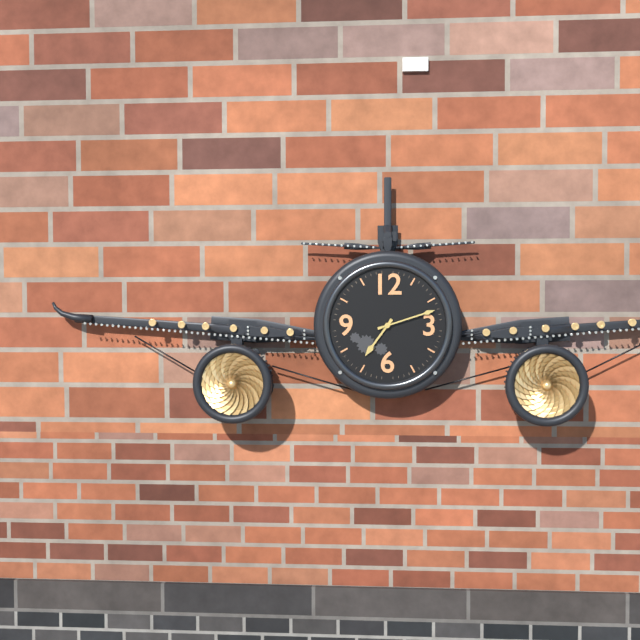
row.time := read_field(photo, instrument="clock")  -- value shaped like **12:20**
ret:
**7:12**
